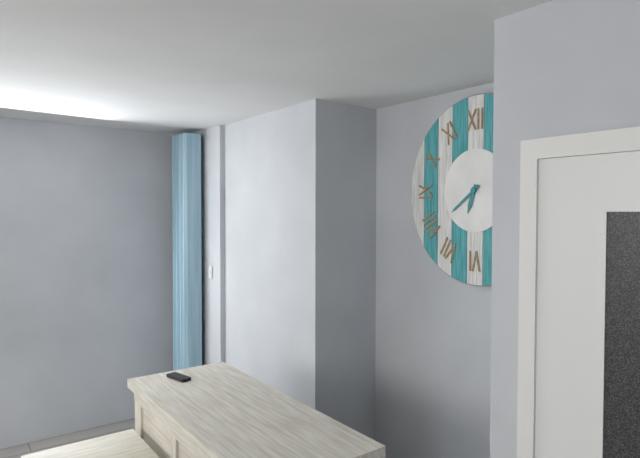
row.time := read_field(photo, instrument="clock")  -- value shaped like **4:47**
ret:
**6:39**
